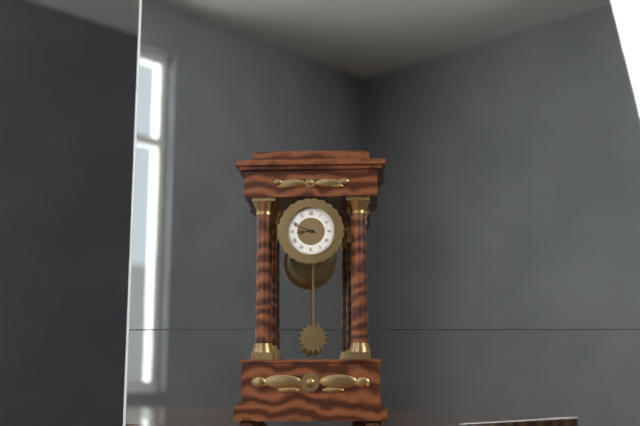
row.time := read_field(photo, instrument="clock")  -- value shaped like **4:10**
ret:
**8:49**
